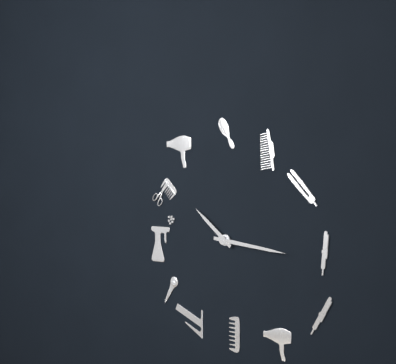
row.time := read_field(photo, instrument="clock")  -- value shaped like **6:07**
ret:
**10:16**
